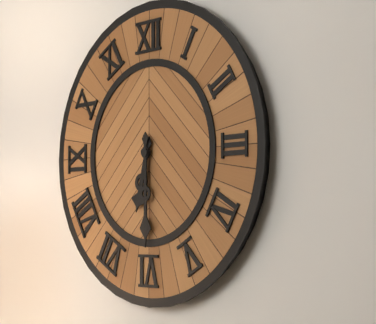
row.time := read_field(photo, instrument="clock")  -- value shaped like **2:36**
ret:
**6:30**
